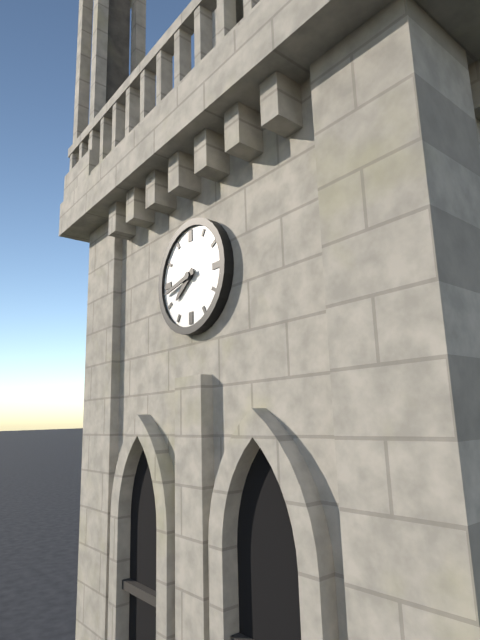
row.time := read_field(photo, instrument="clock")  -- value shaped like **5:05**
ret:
**7:43**
